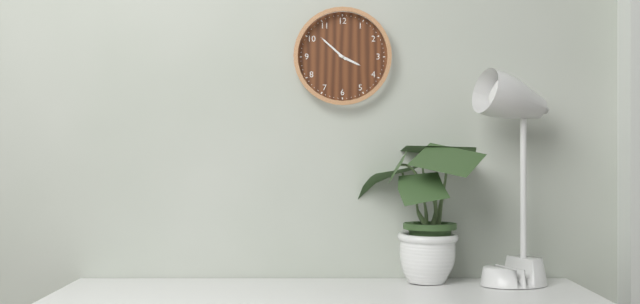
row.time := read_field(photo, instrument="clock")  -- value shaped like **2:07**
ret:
**3:52**
